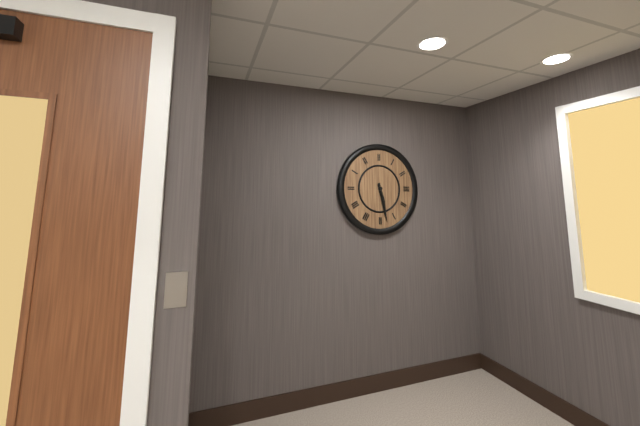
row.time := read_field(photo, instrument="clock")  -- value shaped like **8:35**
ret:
**5:28**
